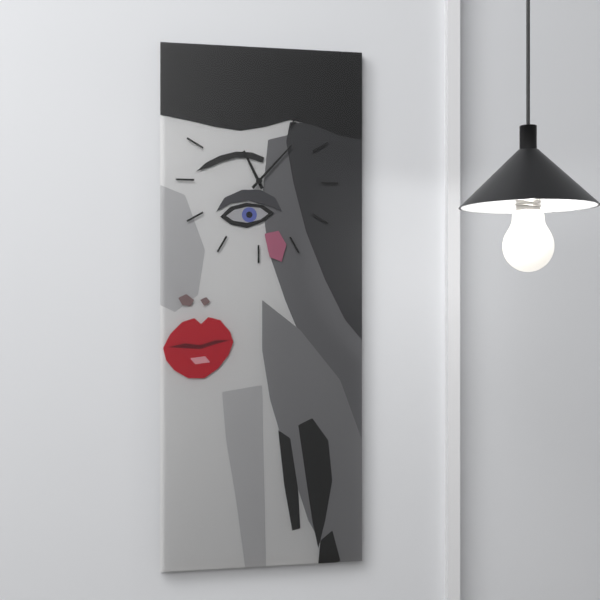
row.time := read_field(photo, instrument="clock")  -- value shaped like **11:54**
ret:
**11:07**
